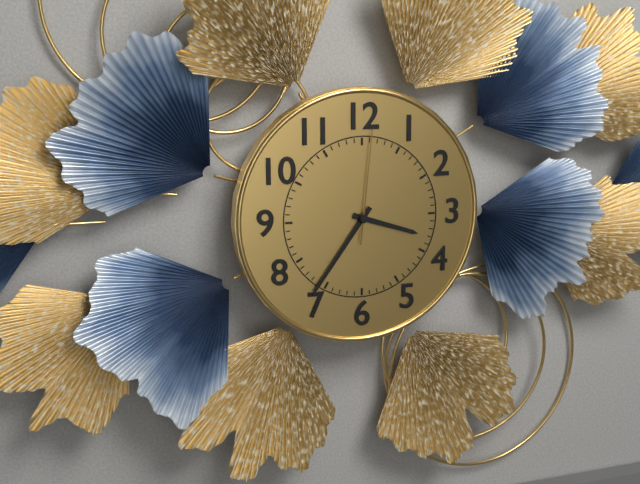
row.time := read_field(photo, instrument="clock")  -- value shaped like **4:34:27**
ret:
**3:36:01**
